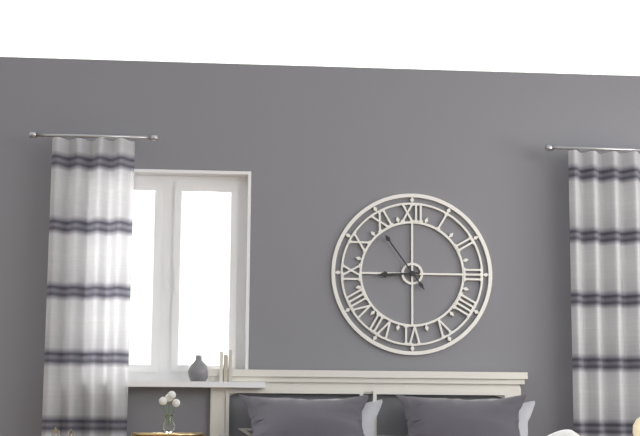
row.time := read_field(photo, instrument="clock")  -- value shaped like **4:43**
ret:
**8:54**
